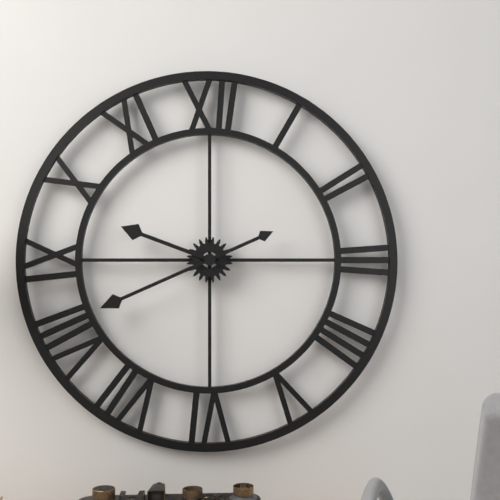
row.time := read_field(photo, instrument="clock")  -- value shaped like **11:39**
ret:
**9:41**
